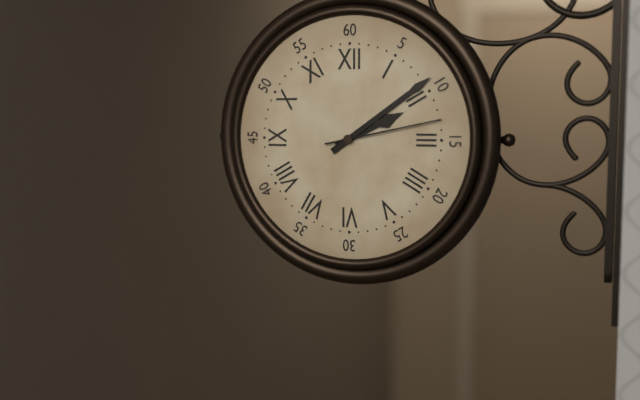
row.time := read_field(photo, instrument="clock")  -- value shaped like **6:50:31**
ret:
**2:09:13**
